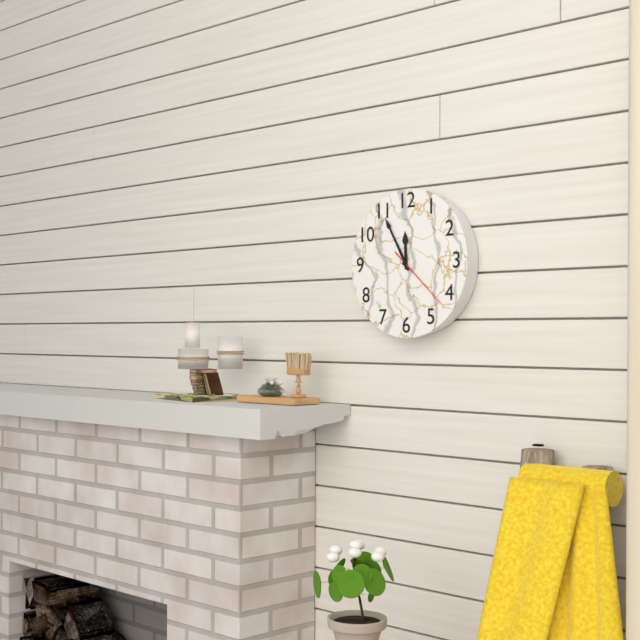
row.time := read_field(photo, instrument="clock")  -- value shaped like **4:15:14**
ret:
**11:55:22**
